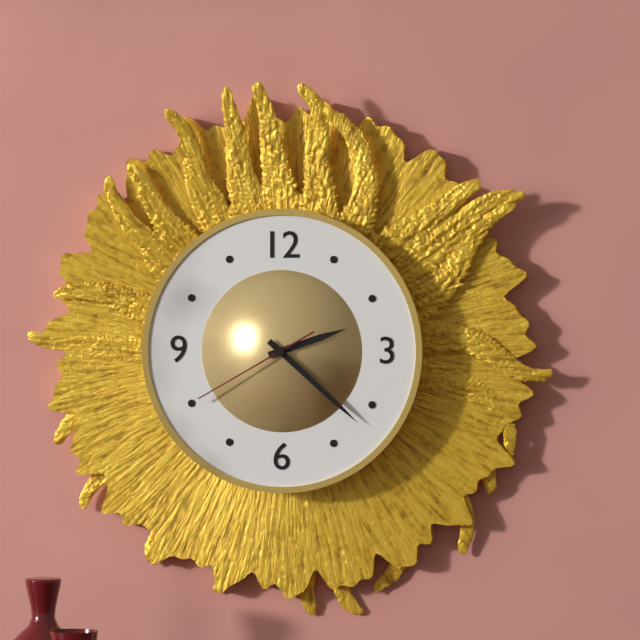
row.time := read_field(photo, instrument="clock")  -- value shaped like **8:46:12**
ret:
**2:22:40**
